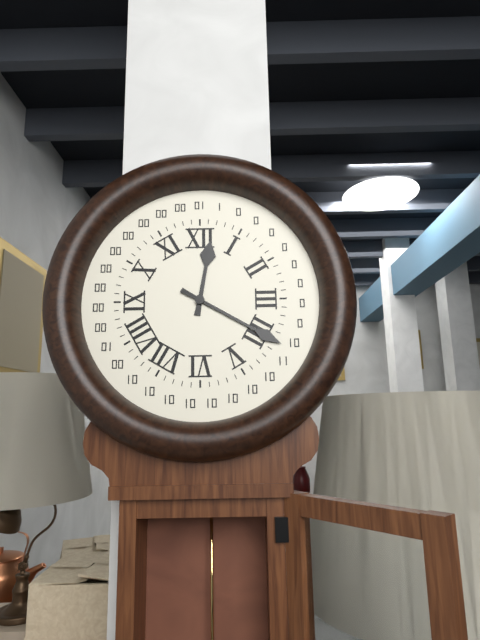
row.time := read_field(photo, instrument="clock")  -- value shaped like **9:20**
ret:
**12:20**
